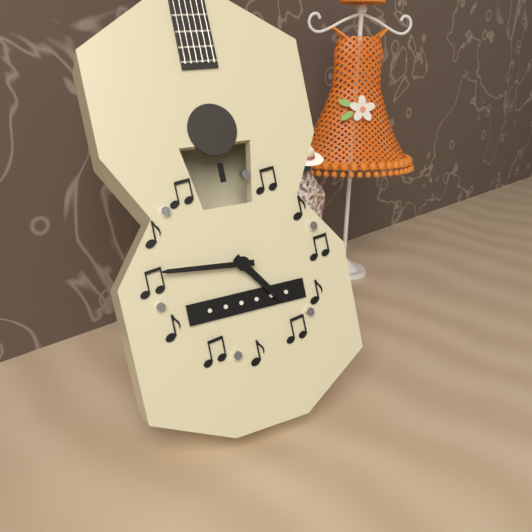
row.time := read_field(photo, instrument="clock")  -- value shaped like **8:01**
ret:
**4:46**
